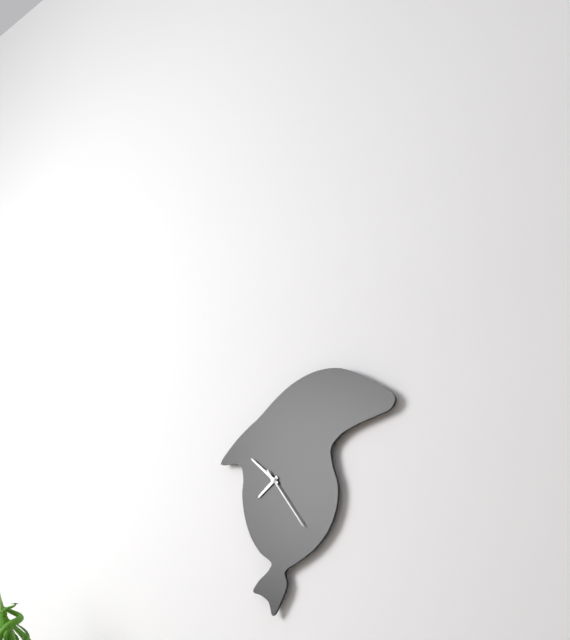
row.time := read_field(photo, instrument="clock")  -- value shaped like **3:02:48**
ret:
**7:52:24**
